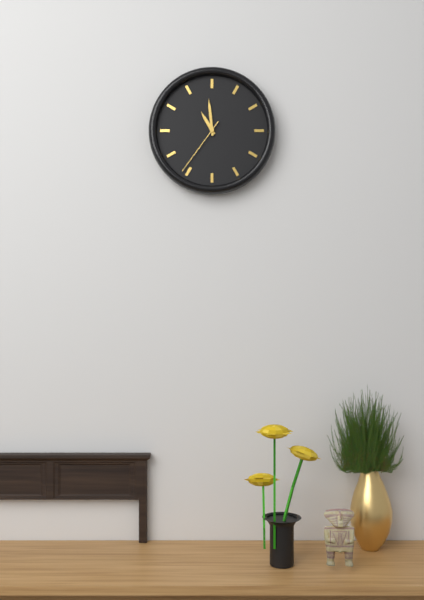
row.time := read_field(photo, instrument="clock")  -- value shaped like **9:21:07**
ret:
**10:59:36**
